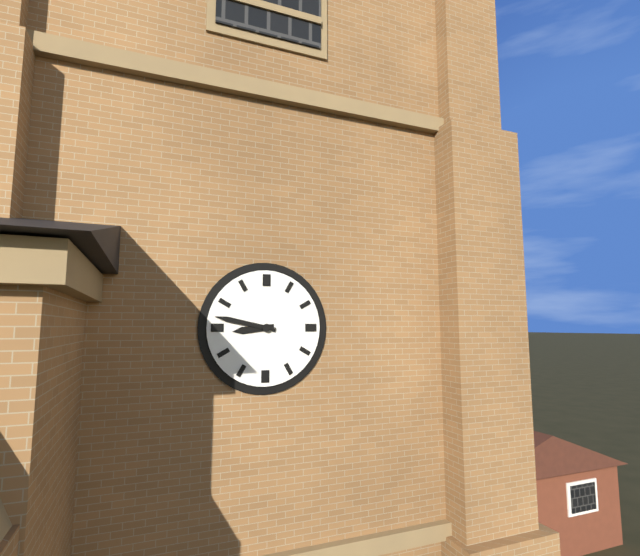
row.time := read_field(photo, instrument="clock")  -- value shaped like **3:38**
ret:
**8:47**
